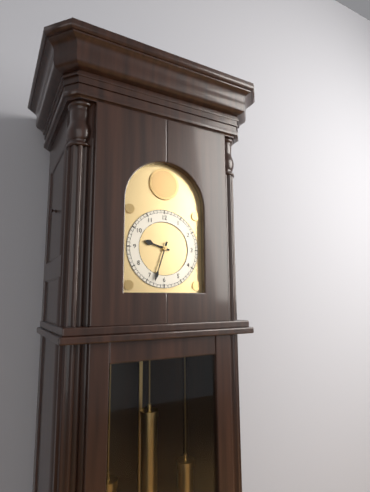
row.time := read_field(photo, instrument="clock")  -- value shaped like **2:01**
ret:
**9:33**
